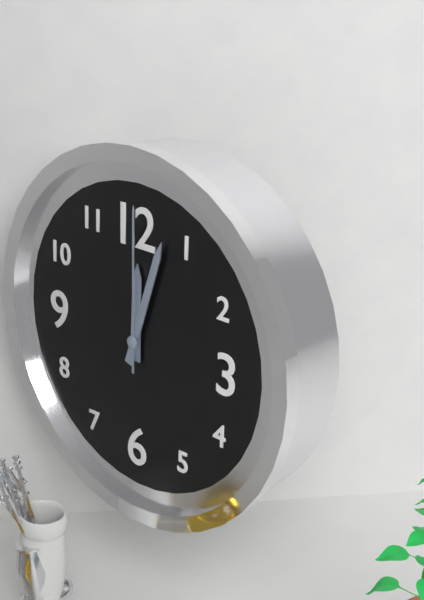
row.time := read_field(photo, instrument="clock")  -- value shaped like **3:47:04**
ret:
**12:03:00**
